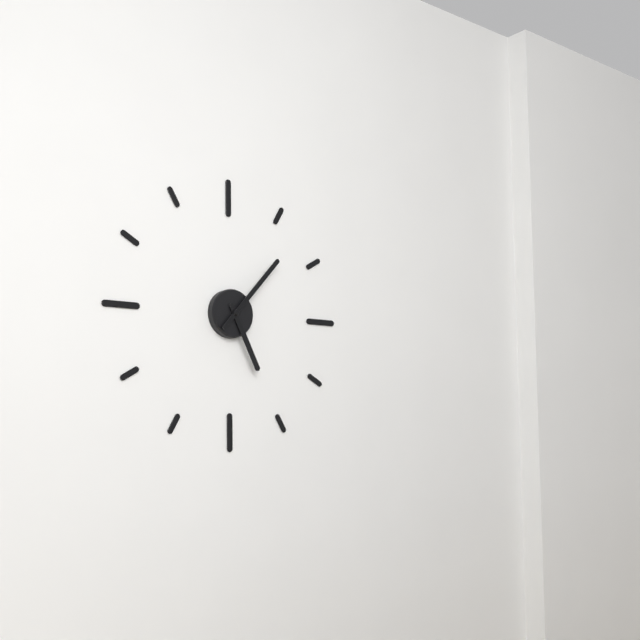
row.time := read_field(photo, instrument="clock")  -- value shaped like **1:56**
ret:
**5:07**
